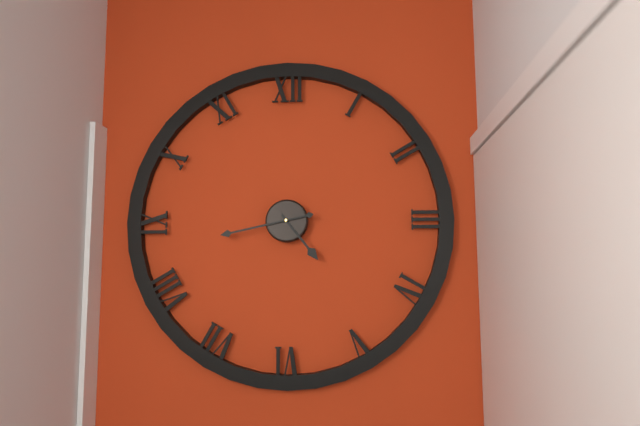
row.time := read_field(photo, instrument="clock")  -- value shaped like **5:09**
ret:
**4:43**
